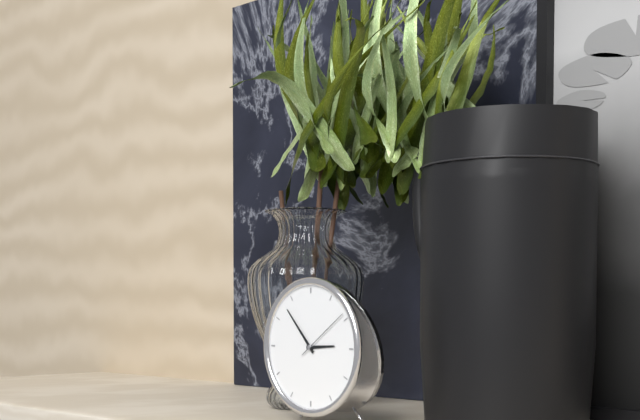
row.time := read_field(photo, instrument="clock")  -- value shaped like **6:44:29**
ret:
**2:53:09**
